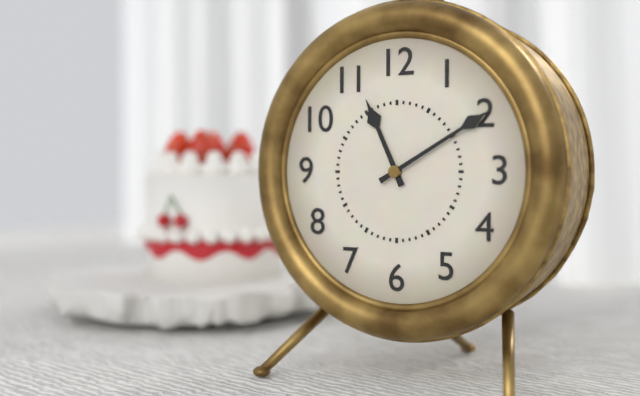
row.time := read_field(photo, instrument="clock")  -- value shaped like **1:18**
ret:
**11:10**
